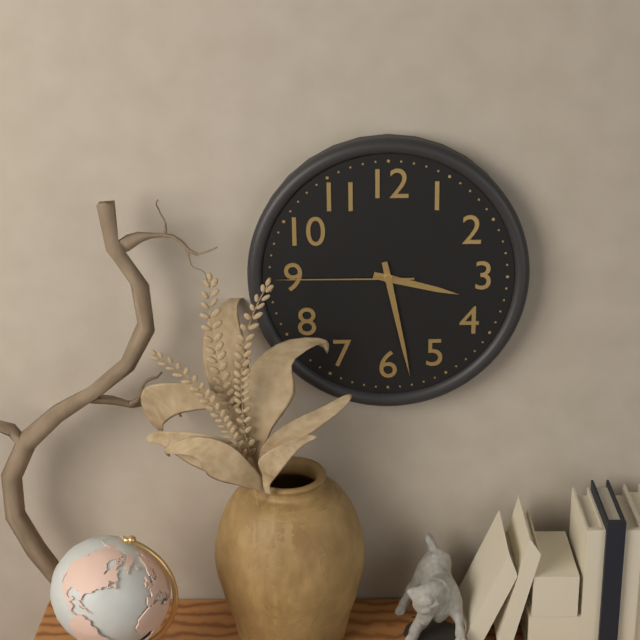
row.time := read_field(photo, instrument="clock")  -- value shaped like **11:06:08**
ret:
**3:28:45**
